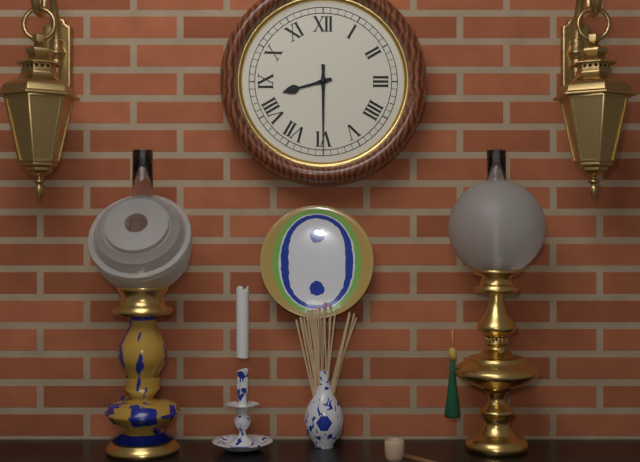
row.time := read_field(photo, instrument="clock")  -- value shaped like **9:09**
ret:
**8:30**
